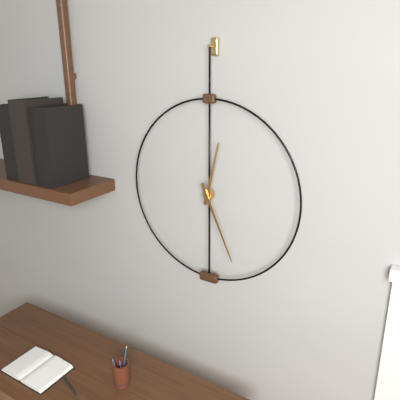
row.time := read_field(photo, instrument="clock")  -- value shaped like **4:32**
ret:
**12:26**
